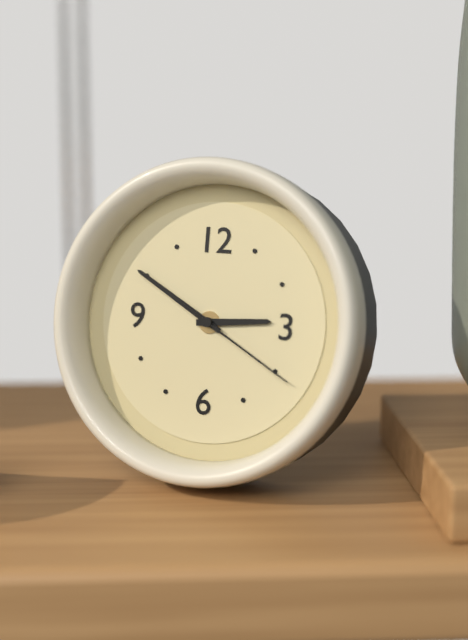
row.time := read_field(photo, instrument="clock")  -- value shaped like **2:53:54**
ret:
**2:50:20**
